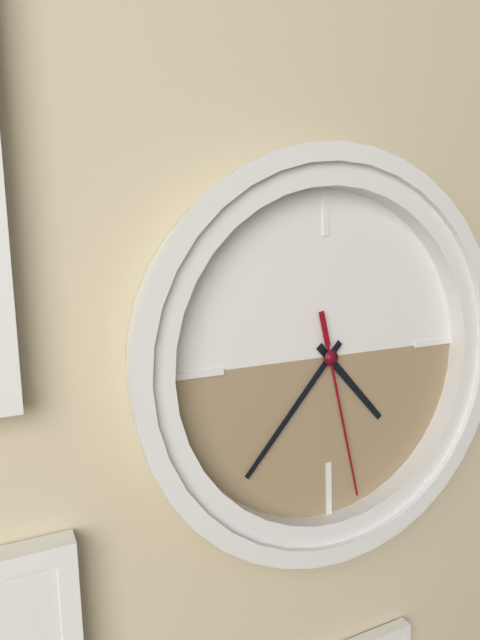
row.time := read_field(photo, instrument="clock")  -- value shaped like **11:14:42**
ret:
**4:37:28**
